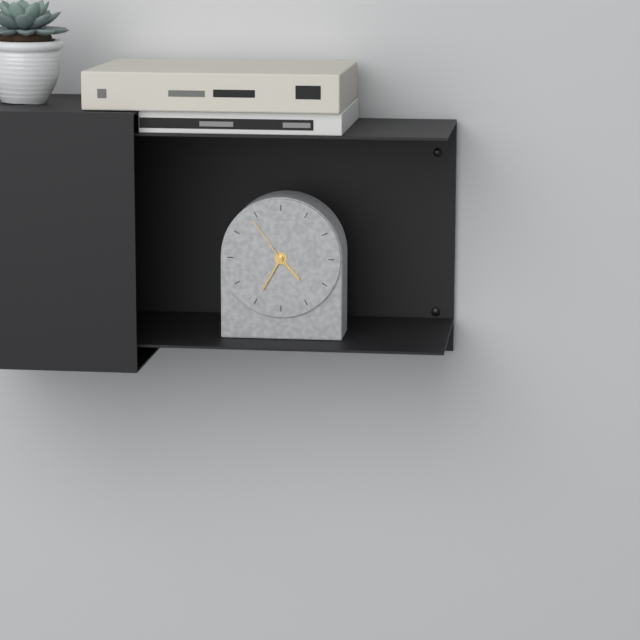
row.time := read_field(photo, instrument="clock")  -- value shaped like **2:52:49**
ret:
**4:35:54**
